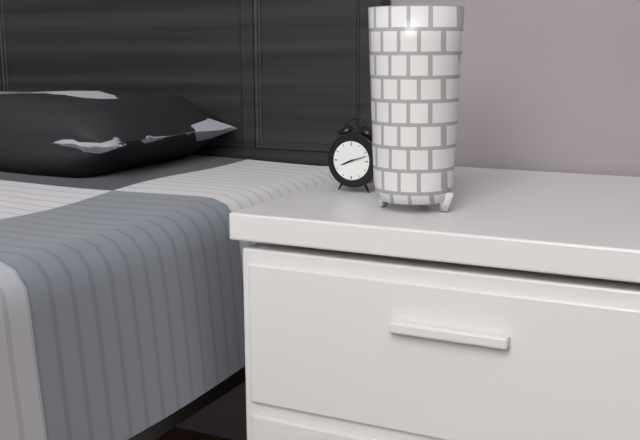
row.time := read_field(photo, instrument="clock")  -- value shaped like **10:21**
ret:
**8:12**
